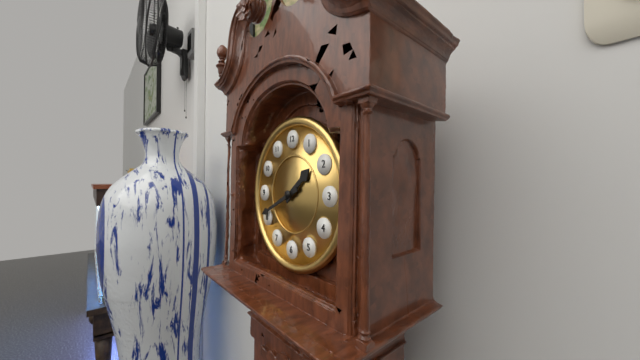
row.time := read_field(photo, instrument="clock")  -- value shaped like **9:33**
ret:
**1:41**
